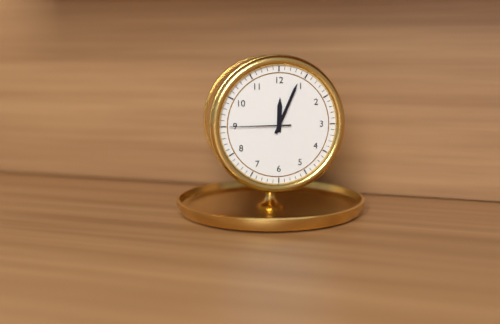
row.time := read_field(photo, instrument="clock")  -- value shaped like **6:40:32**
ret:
**12:04:45**
